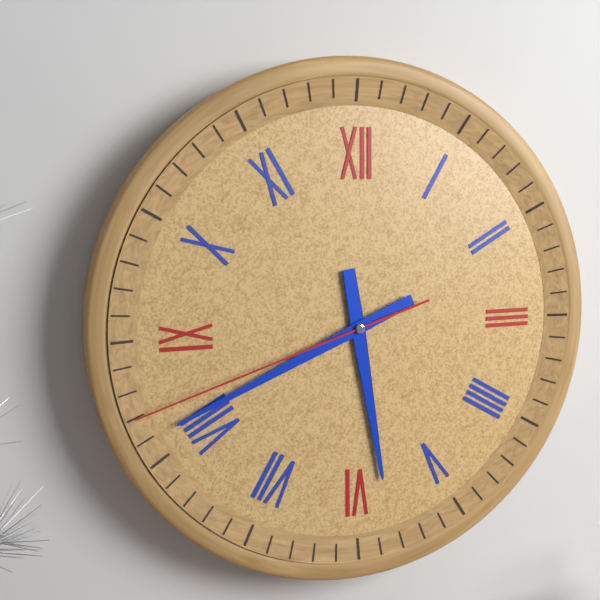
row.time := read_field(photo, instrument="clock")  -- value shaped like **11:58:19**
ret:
**5:41:42**
